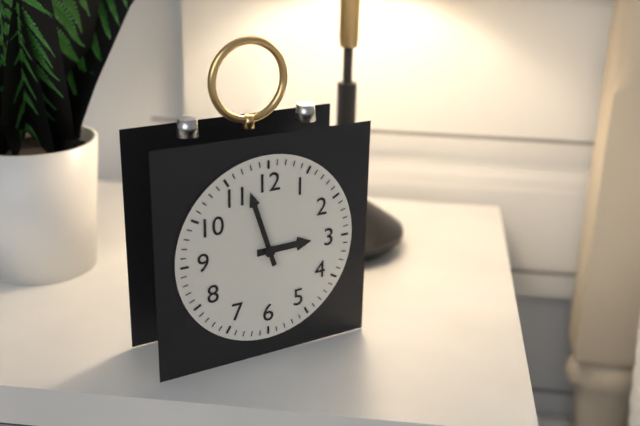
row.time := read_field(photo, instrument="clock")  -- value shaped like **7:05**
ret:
**2:57**
